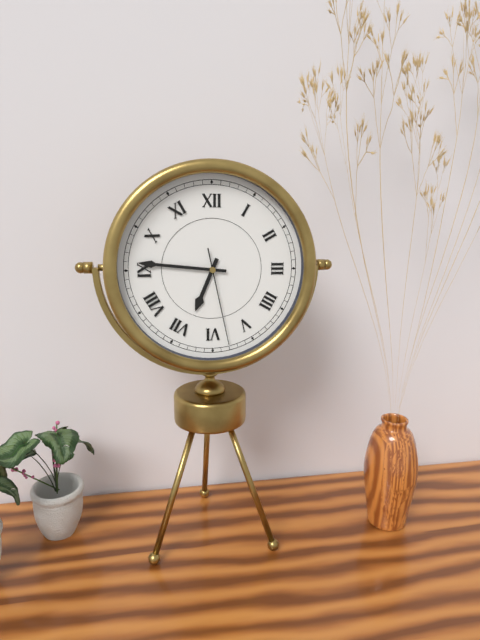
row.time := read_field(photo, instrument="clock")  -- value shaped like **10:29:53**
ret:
**6:46:28**
